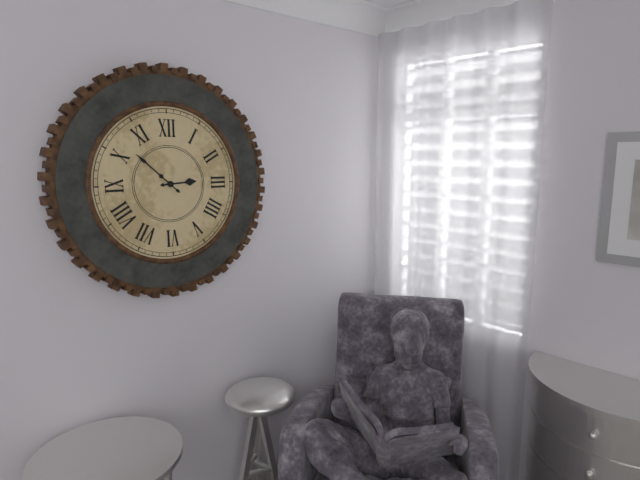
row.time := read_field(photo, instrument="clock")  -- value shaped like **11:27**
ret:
**2:52**
